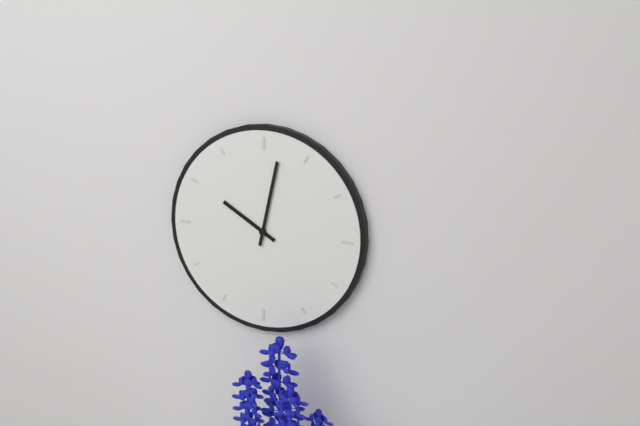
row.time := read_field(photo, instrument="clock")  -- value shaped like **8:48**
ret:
**10:02**
